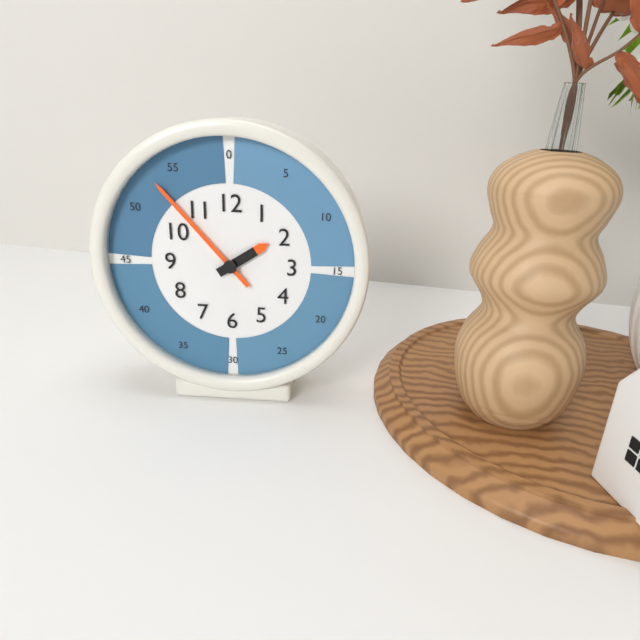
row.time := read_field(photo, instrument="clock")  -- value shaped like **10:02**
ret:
**1:53**
